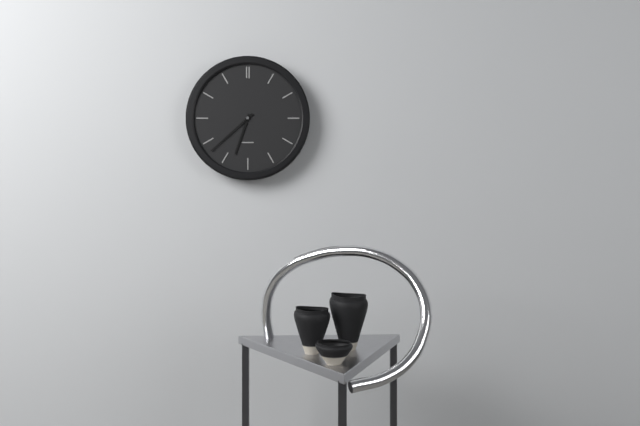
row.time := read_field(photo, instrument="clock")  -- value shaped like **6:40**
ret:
**6:38**
